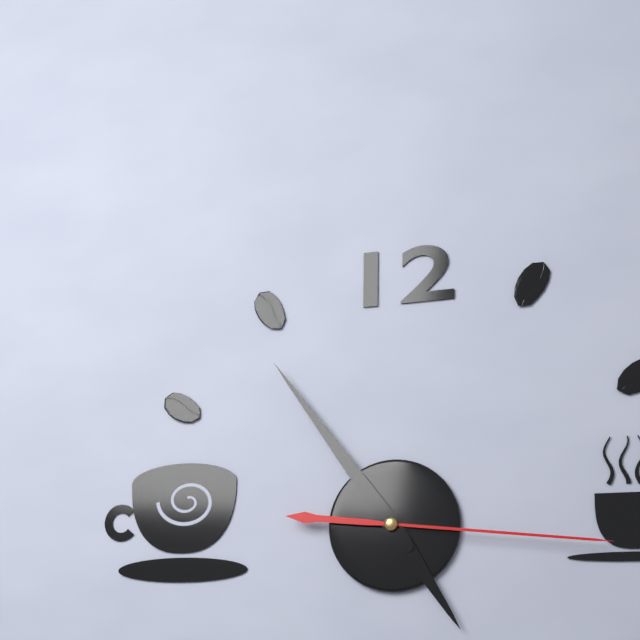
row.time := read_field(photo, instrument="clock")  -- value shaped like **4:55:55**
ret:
**4:54:16**
